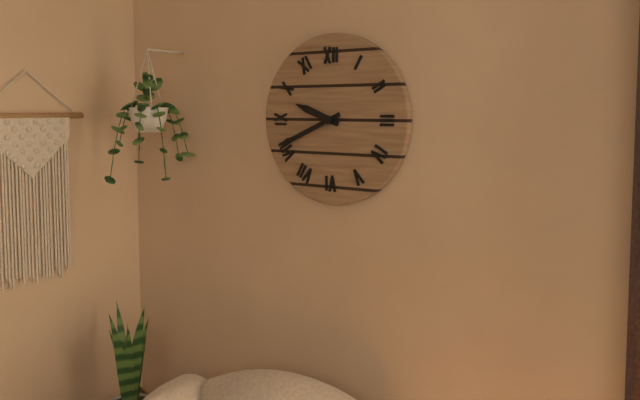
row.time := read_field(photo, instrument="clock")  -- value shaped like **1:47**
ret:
**9:41**
